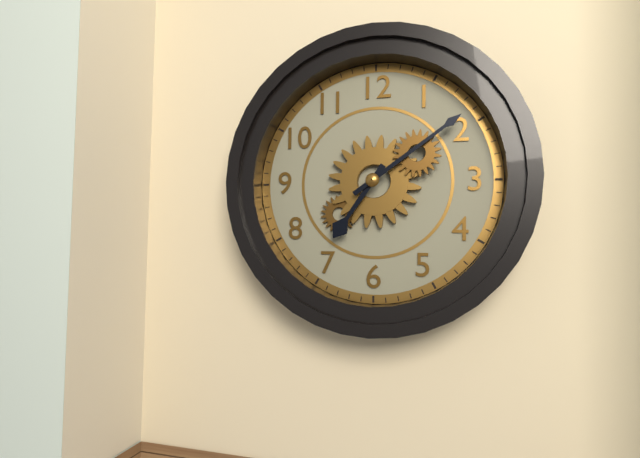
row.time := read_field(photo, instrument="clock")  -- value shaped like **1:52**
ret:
**7:09**
